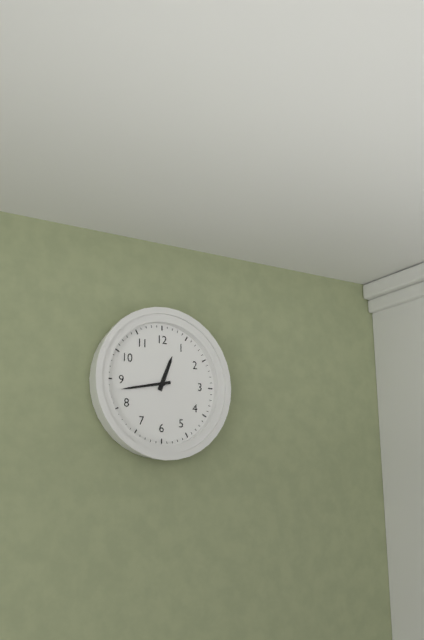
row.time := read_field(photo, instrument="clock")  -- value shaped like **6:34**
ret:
**12:43**
